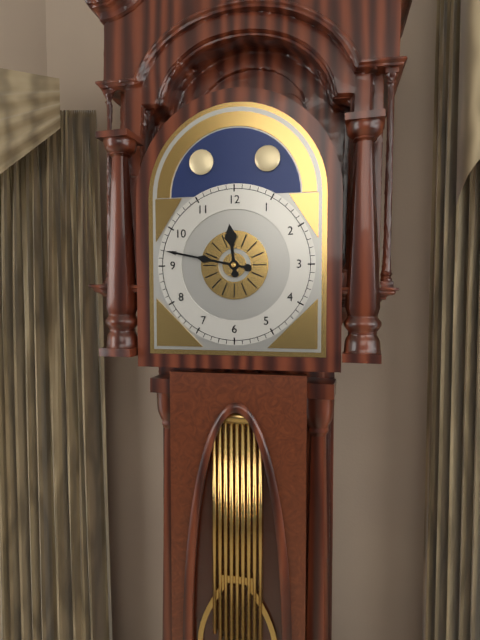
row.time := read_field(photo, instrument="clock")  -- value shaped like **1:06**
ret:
**11:47**
